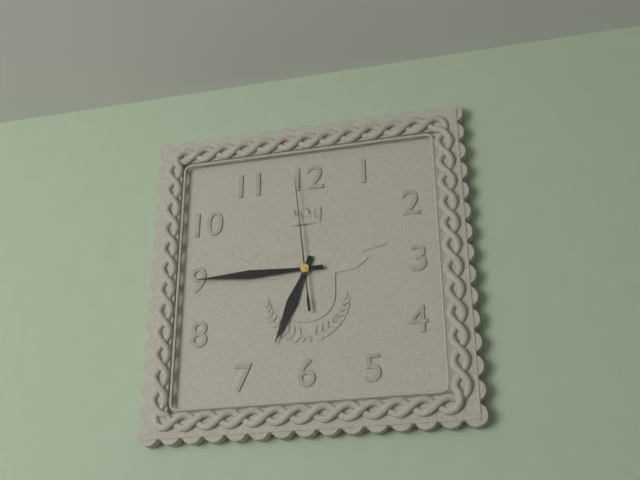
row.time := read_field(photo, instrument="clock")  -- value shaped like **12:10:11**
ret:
**6:45:59**
